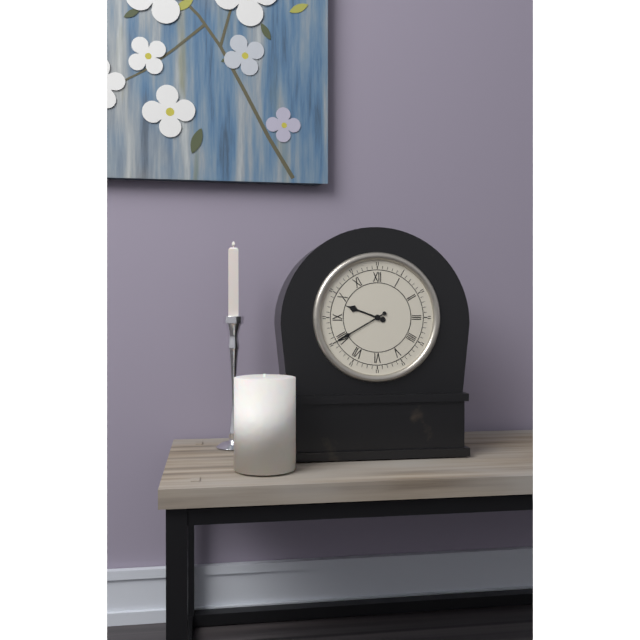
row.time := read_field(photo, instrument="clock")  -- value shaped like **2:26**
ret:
**9:40**
